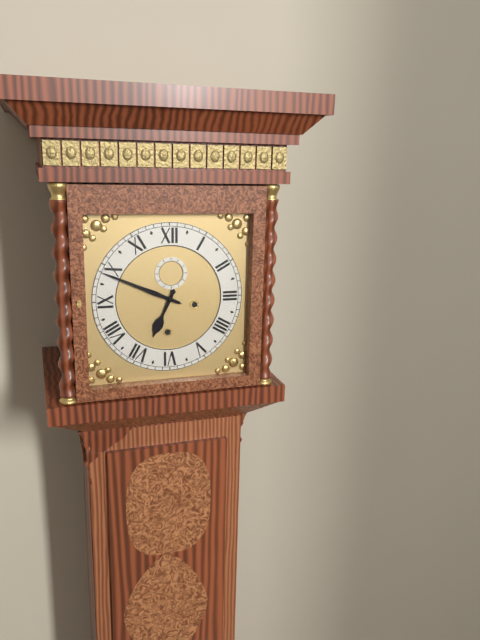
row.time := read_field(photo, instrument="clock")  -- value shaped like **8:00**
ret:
**6:49**
